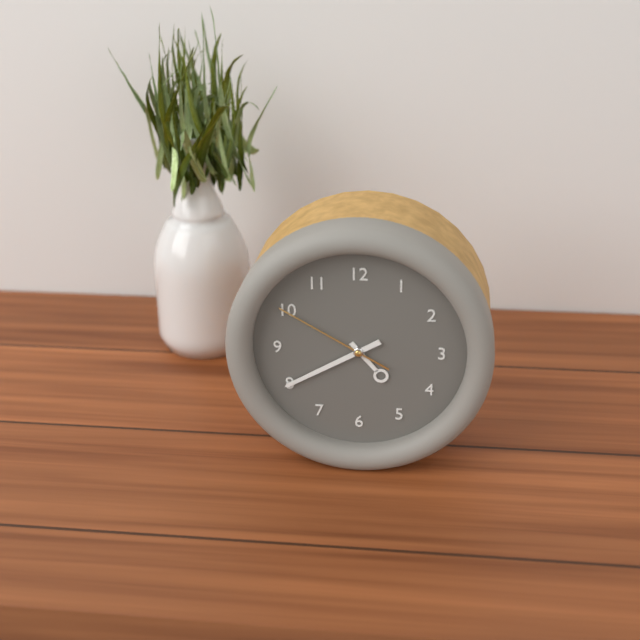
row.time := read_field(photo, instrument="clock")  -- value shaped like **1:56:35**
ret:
**4:40:50**
